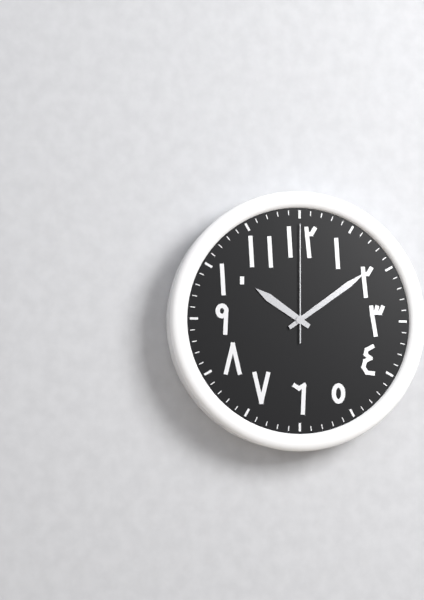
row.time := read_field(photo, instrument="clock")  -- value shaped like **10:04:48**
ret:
**10:09:00**
